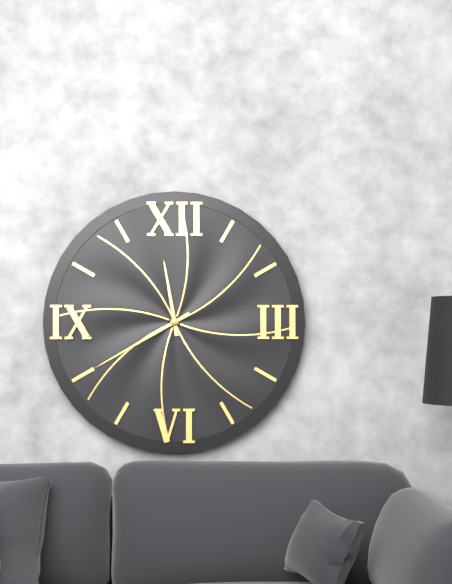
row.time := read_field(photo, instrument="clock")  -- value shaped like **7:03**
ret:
**11:40**
